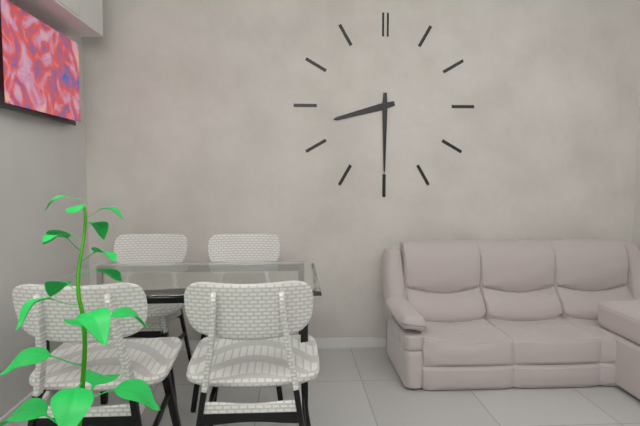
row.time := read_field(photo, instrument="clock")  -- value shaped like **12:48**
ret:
**8:30**
